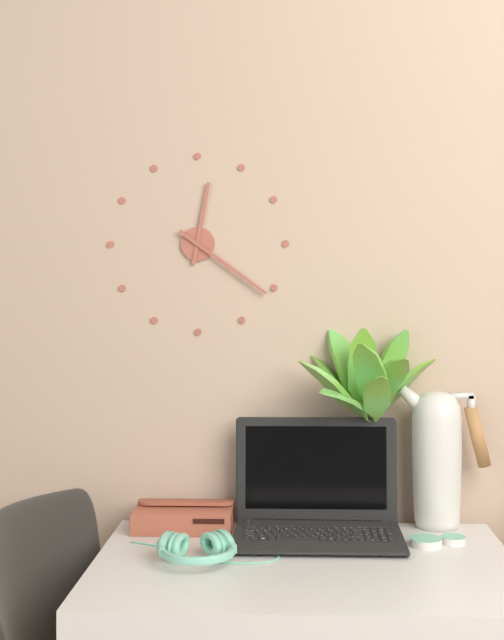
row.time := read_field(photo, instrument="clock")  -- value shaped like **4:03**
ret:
**12:21**
